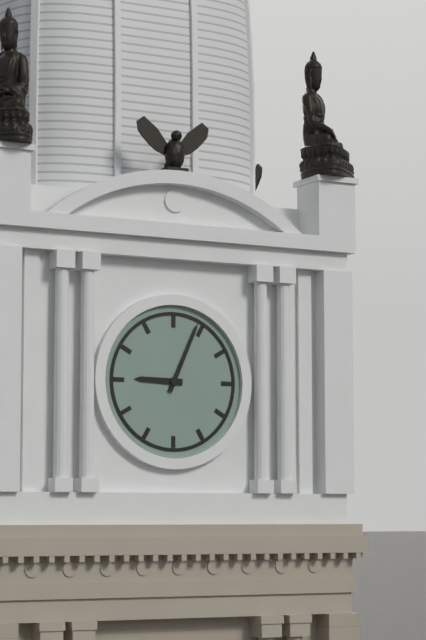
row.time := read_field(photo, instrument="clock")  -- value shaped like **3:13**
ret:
**9:04**
